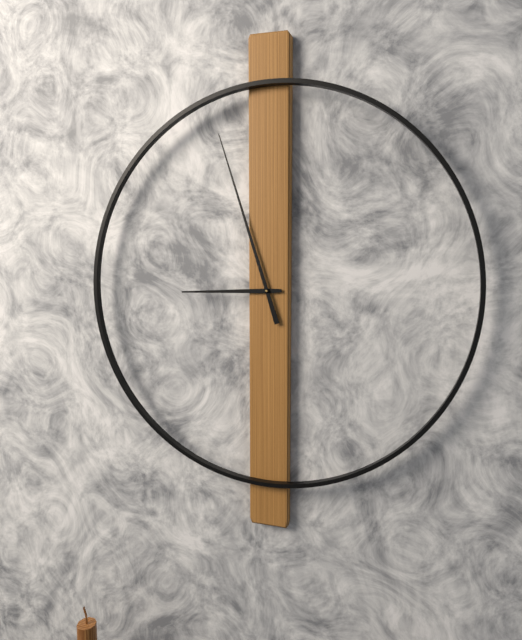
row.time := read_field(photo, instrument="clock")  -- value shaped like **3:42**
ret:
**8:57**
